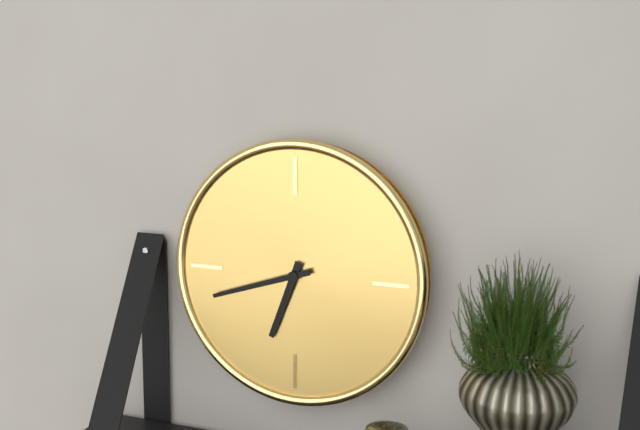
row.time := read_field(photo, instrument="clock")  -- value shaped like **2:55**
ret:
**6:42**
